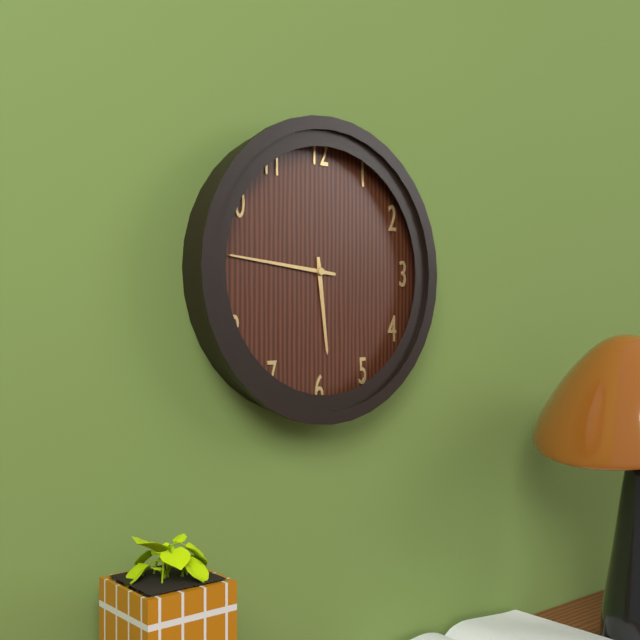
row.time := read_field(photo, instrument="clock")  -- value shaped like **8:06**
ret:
**5:46**
